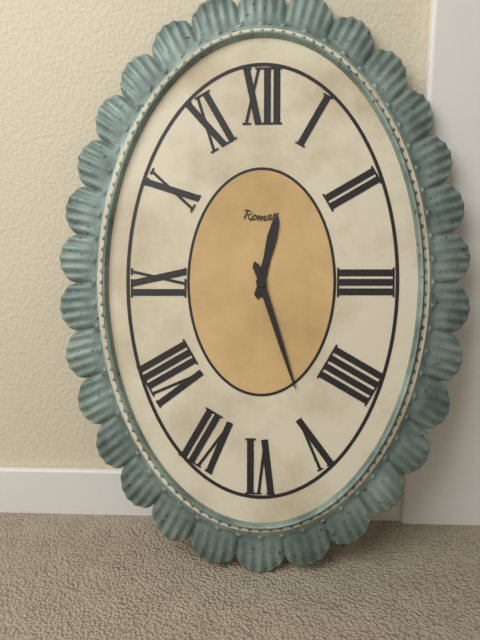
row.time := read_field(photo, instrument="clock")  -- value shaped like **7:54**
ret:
**12:27**
